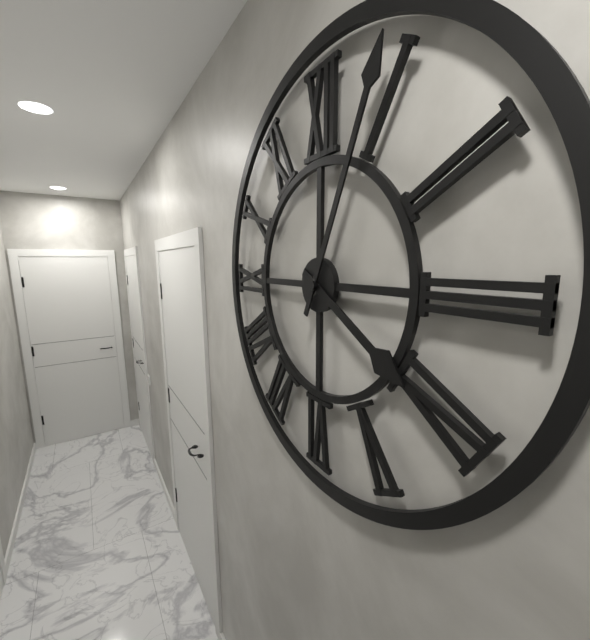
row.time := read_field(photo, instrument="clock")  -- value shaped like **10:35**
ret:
**4:04**
